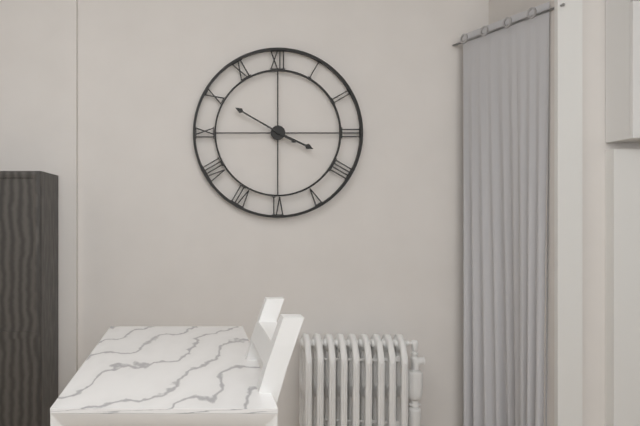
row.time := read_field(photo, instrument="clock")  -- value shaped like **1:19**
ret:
**3:50**
